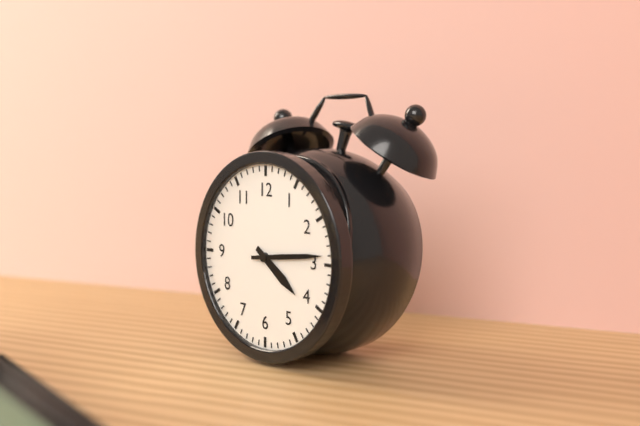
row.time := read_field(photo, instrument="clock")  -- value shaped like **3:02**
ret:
**4:14**
